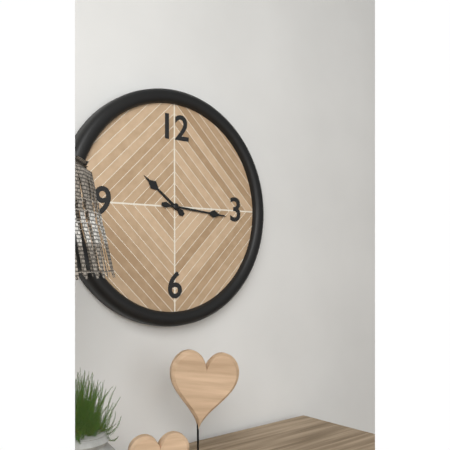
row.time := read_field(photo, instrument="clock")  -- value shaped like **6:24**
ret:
**10:16**
